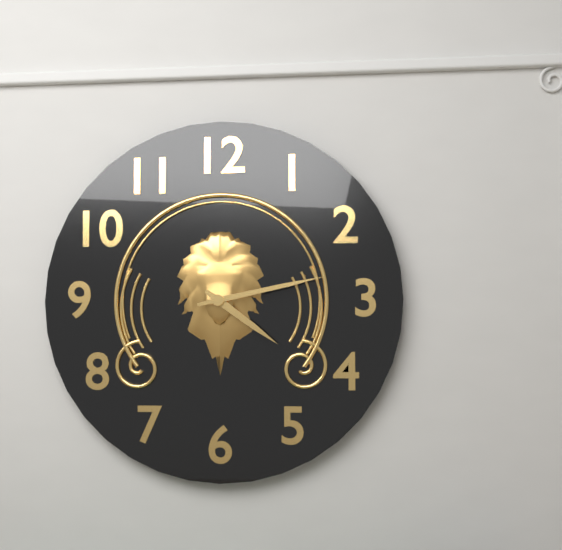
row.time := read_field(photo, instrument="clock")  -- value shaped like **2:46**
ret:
**4:13**
